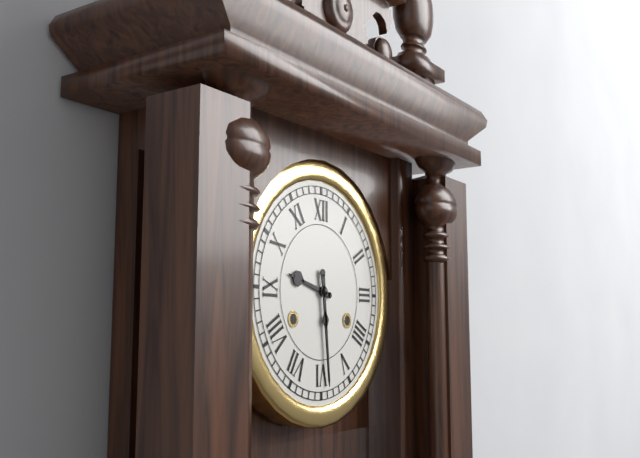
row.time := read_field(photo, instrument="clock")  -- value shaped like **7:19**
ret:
**9:29**
